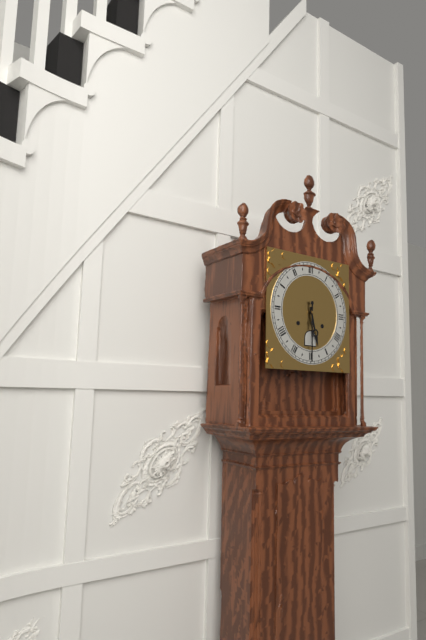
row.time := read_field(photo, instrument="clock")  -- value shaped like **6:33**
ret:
**5:30**
